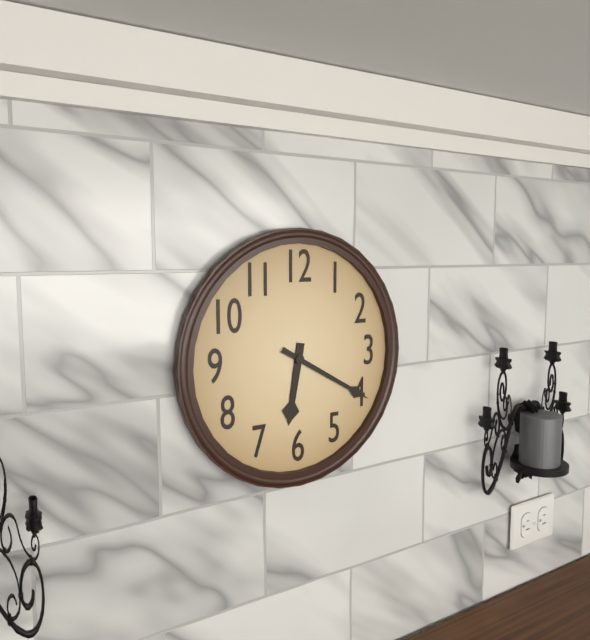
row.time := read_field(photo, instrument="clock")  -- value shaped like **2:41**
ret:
**6:20**
